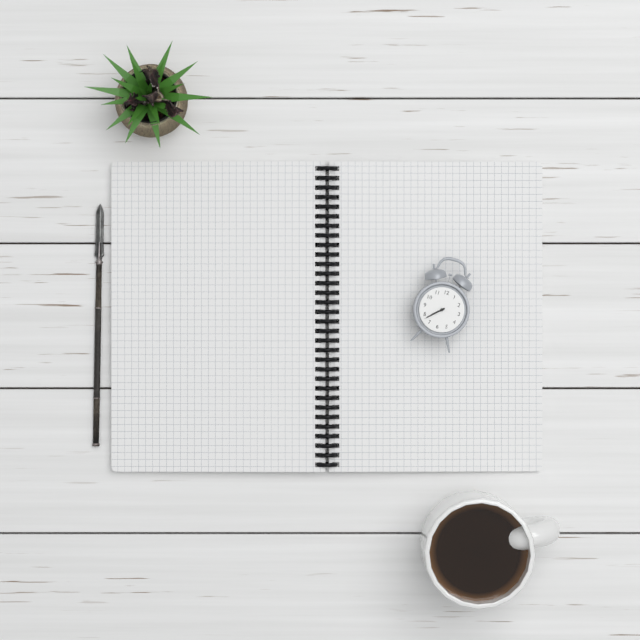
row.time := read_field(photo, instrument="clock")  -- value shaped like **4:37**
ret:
**7:38**
